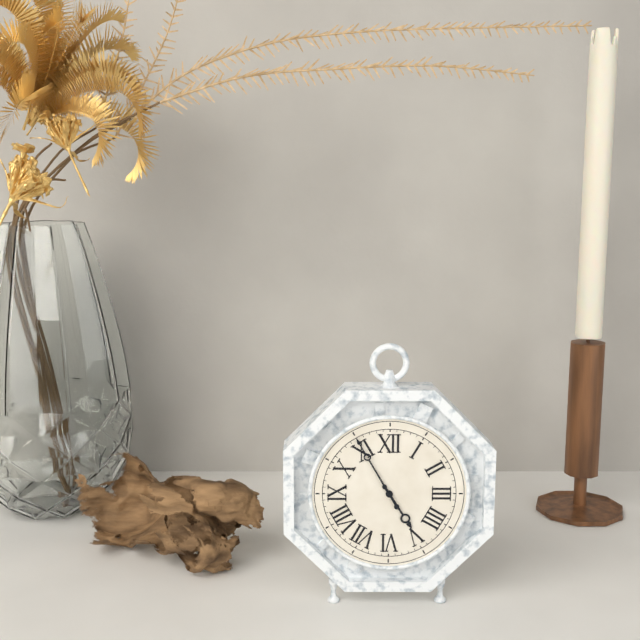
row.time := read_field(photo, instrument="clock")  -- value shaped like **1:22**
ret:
**4:55**
